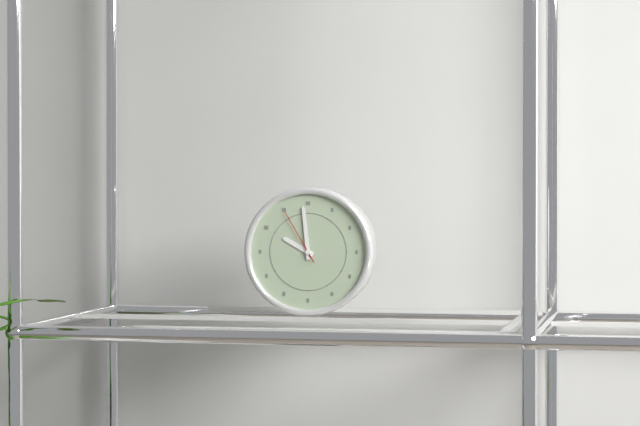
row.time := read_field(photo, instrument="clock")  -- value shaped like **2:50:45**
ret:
**9:59:55**
